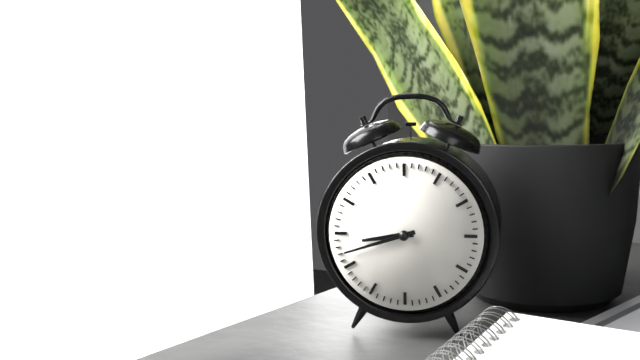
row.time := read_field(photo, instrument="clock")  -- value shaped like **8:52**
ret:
**8:42**
